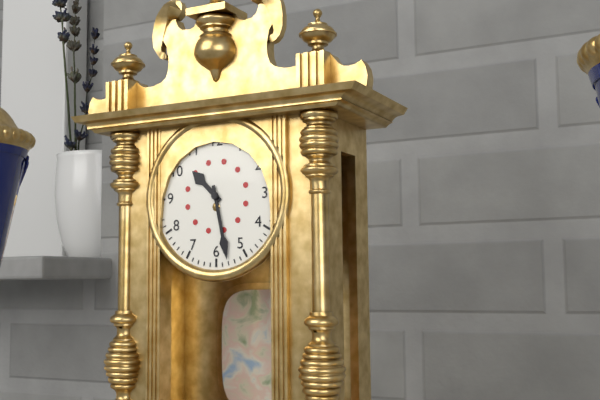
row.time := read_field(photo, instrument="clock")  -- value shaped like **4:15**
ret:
**10:28**
